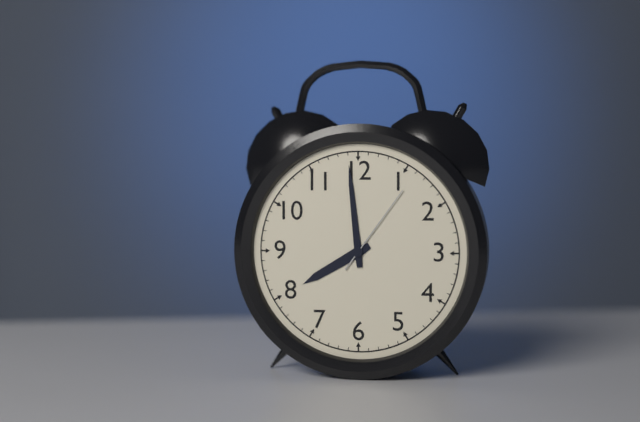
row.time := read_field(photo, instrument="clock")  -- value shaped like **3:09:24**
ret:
**7:59:06**
